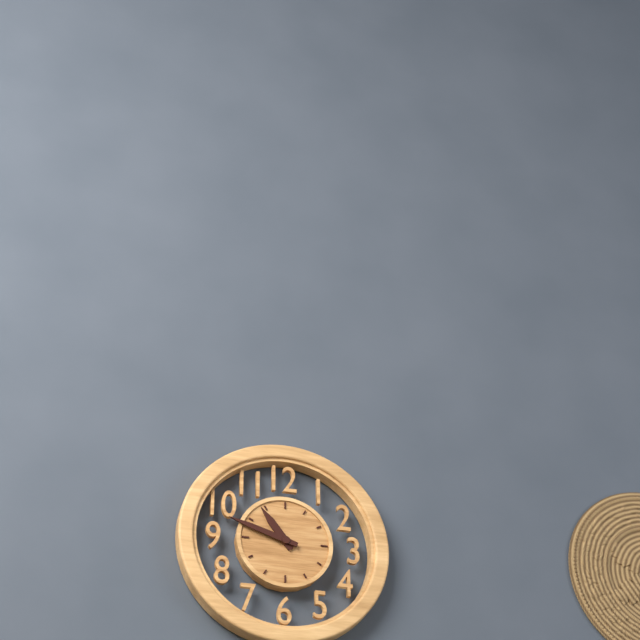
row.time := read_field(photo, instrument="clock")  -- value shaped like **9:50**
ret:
**10:48**
